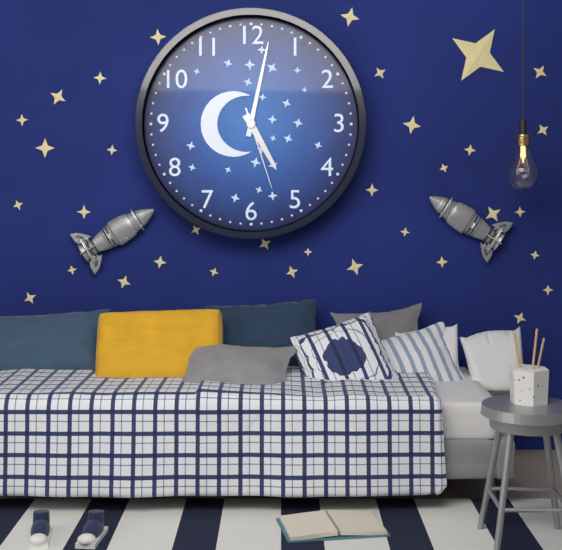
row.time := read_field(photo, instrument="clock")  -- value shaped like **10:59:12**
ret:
**5:02:27**
